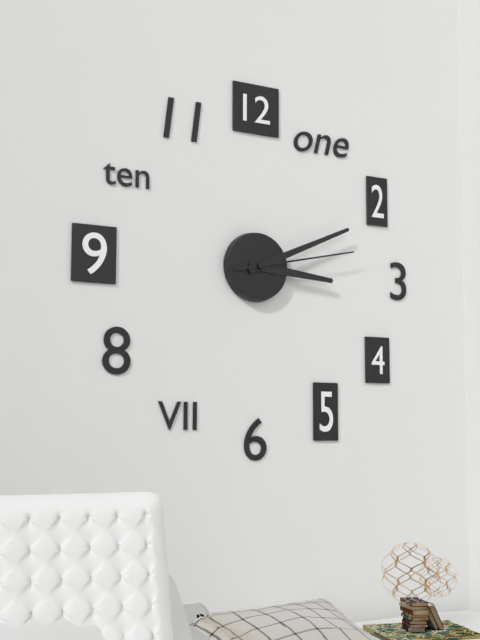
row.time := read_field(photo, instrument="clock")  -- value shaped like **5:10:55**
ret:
**3:11:13**
